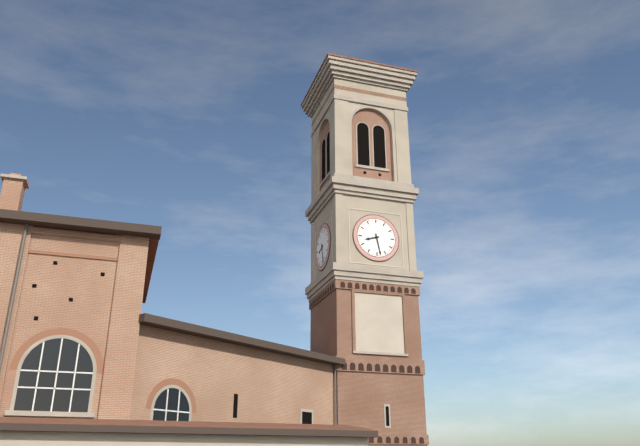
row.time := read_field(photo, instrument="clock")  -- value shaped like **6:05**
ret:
**8:28**
